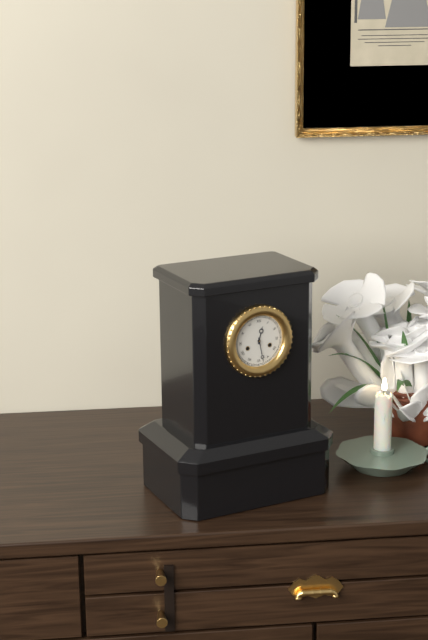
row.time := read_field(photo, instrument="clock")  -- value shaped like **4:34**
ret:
**12:28**
